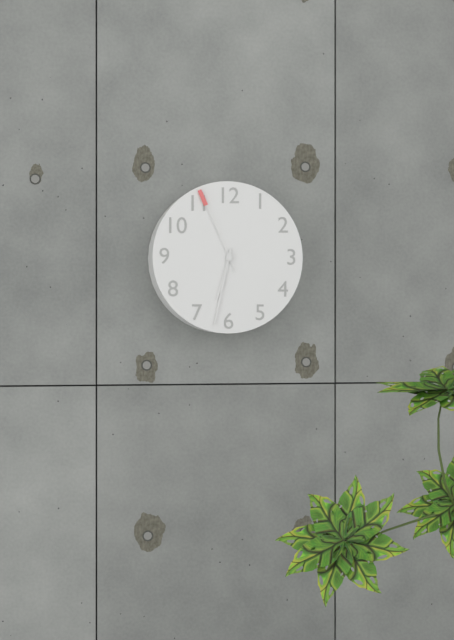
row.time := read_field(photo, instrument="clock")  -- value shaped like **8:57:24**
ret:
**6:32:56**
